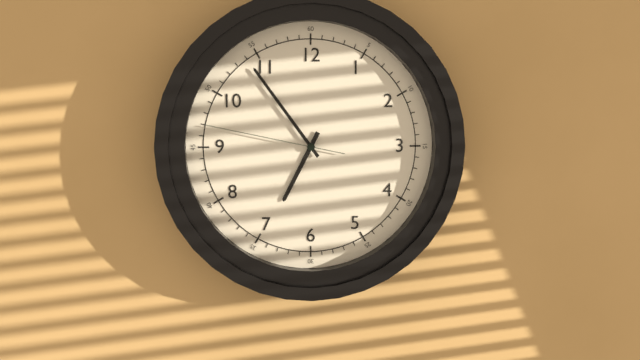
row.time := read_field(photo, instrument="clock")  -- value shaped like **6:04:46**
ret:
**6:54:47**
